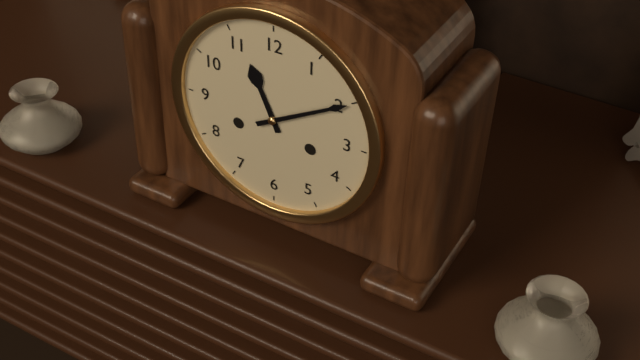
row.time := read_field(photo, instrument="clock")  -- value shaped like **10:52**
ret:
**11:10**
